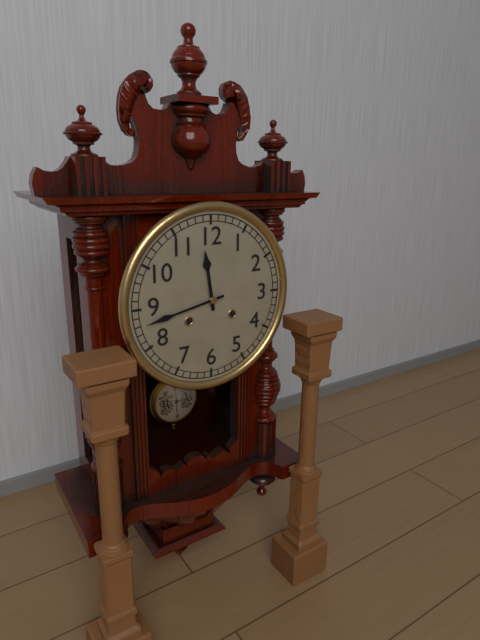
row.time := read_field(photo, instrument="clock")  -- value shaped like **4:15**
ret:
**11:43**
